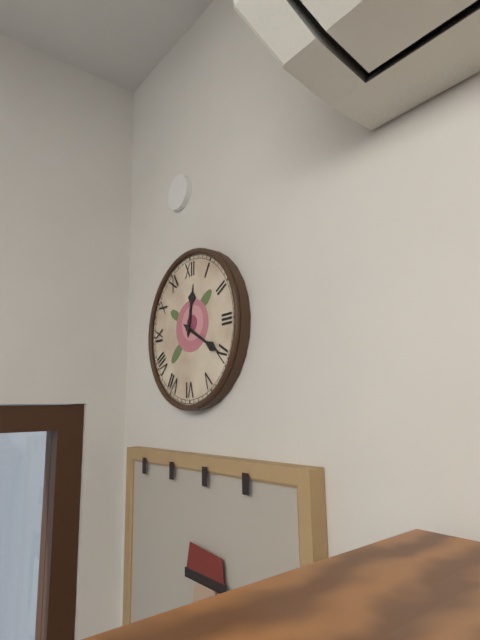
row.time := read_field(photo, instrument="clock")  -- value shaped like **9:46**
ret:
**12:20**
